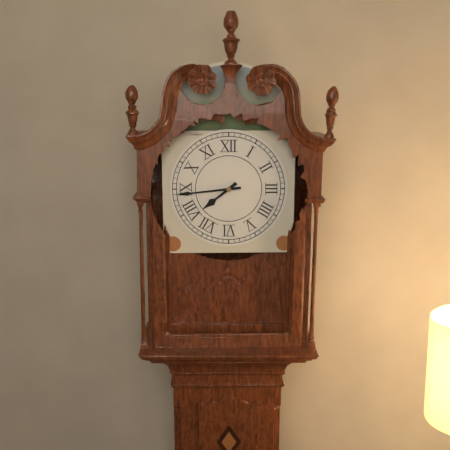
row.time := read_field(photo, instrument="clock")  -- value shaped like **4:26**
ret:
**7:44**
